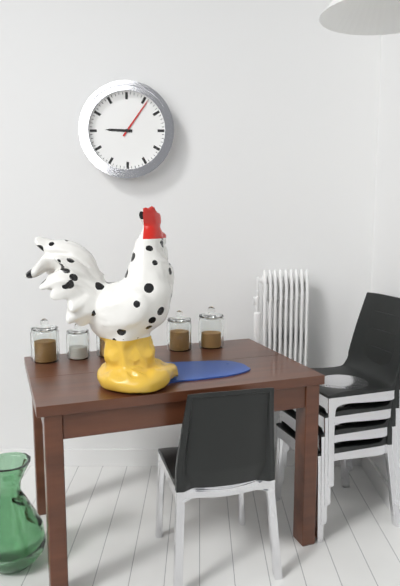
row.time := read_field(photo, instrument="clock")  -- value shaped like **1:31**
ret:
**9:06**
